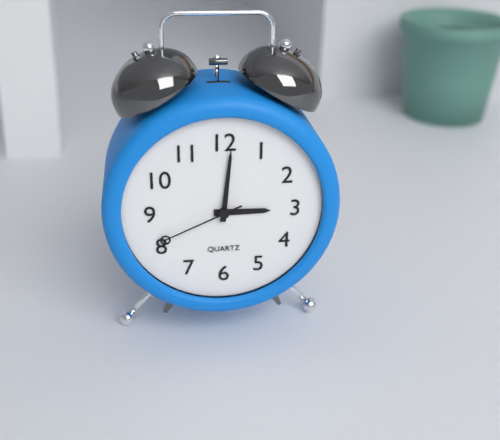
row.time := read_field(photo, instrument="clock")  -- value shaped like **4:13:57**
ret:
**3:01:41**
